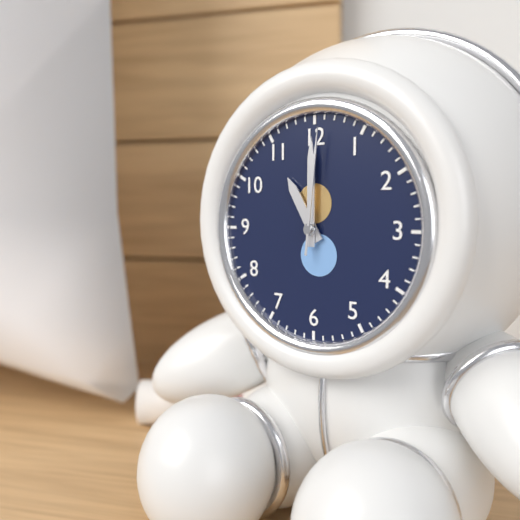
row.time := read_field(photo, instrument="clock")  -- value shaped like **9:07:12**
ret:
**11:00:01**
